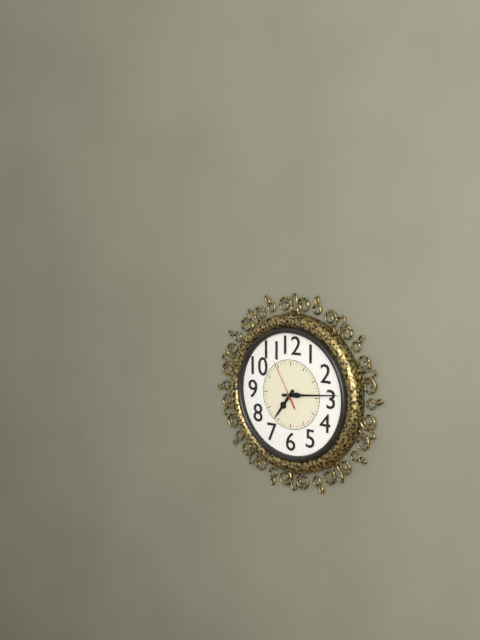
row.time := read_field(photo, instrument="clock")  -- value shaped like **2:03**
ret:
**7:14**
